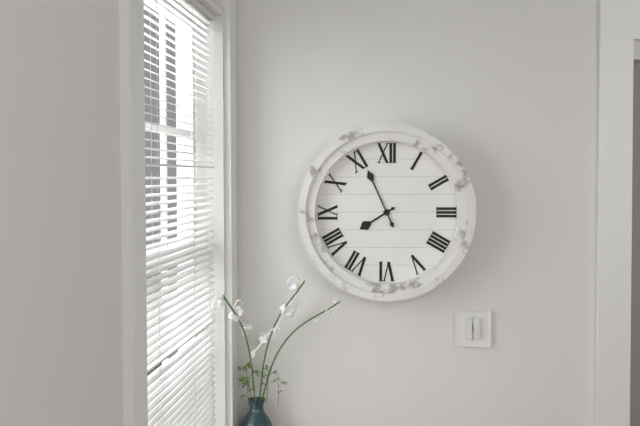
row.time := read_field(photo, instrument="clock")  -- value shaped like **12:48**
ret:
**7:56**
